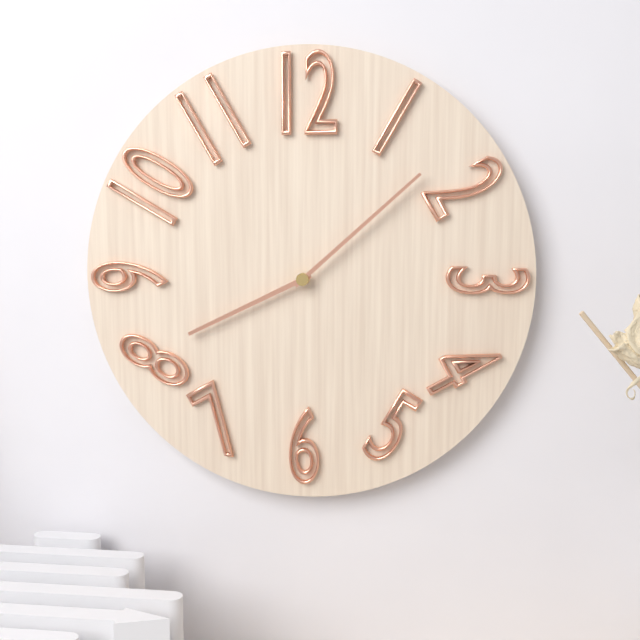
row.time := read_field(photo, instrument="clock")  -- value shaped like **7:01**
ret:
**8:08**
